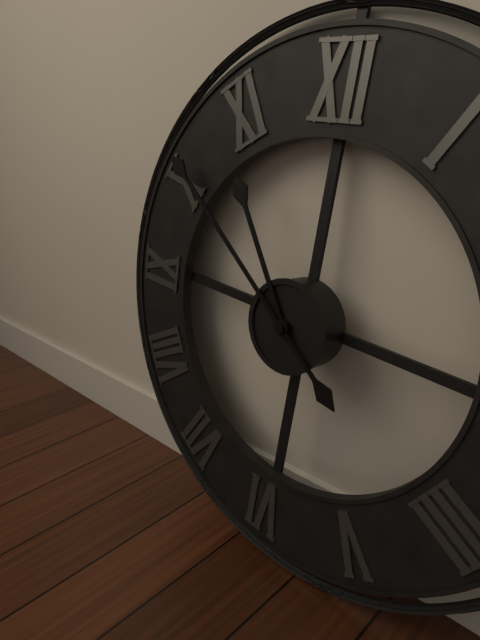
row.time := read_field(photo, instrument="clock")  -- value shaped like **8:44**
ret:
**10:51**
